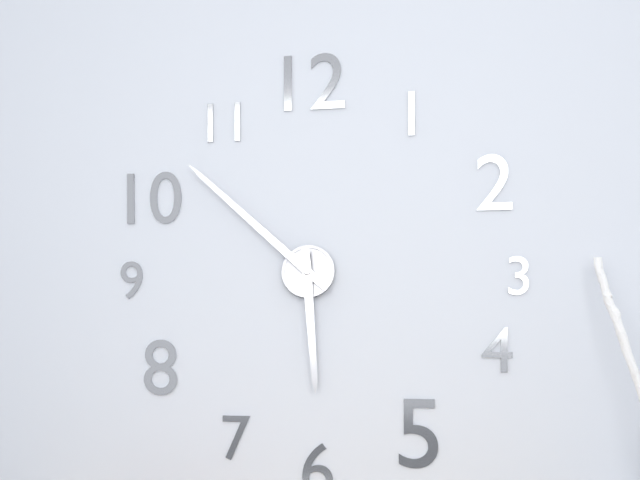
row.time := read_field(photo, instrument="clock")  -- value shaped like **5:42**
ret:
**5:52**
